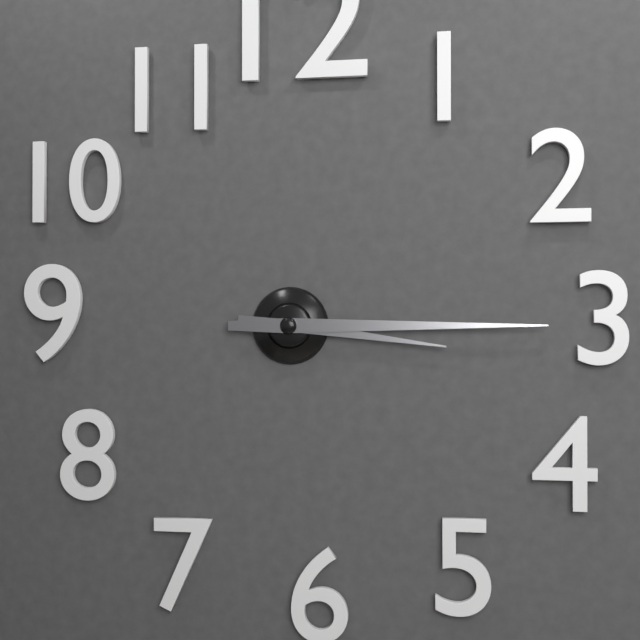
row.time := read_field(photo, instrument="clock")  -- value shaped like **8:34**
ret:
**3:15**
